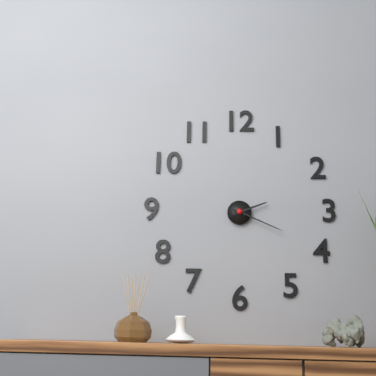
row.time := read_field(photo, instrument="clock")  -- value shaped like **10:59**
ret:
**2:19**
